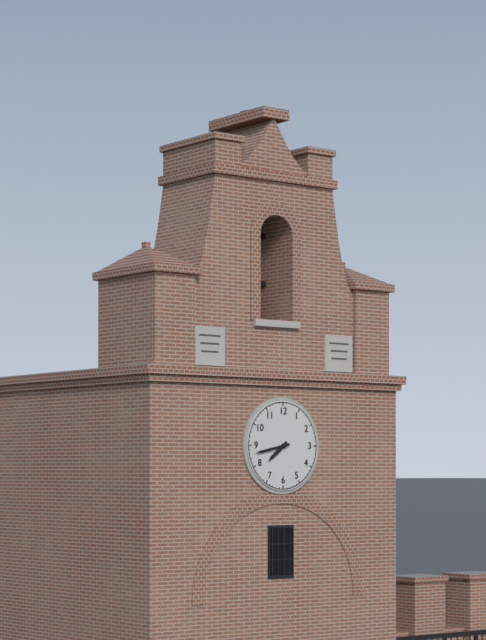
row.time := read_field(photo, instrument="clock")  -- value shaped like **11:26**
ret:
**7:43**
